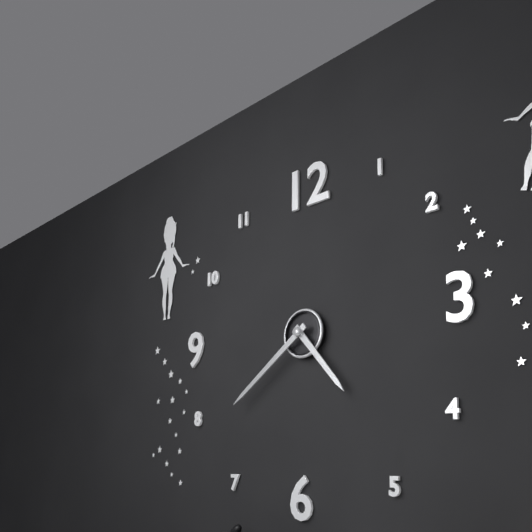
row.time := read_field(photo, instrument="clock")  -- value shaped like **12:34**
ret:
**4:39**
